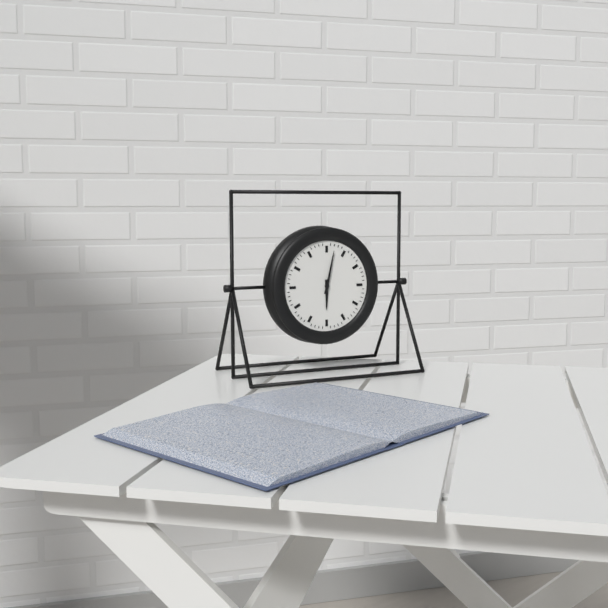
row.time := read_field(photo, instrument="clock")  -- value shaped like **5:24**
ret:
**6:02**
